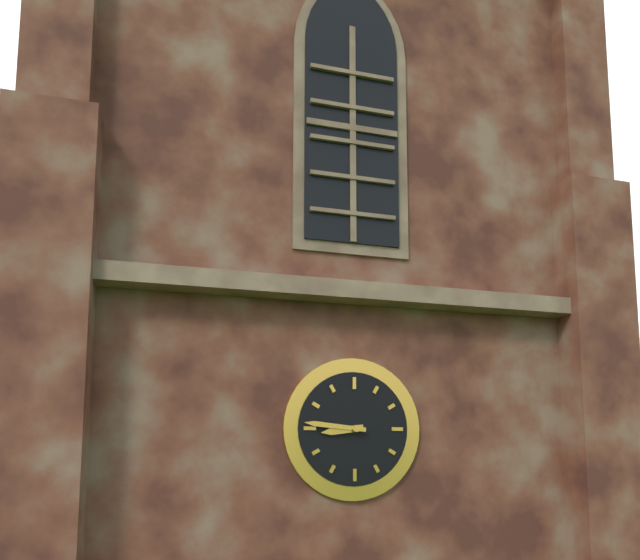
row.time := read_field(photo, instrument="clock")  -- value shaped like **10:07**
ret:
**8:46**
